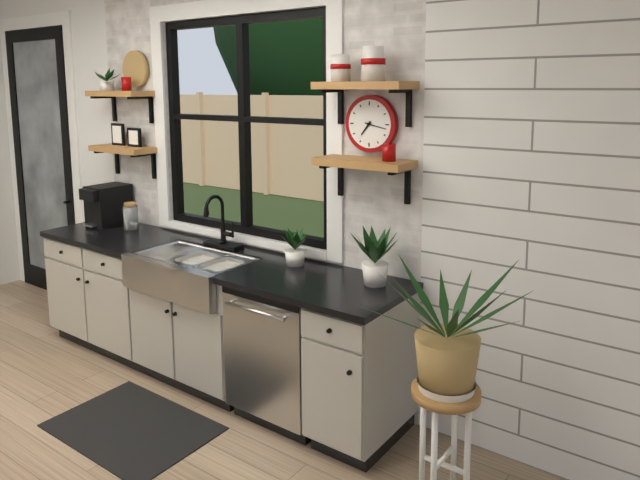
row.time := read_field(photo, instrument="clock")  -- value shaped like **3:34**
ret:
**7:17**
